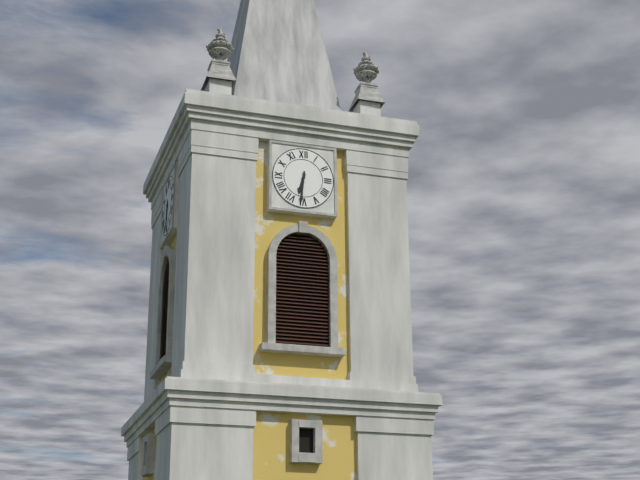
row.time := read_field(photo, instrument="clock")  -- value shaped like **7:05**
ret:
**6:31**
